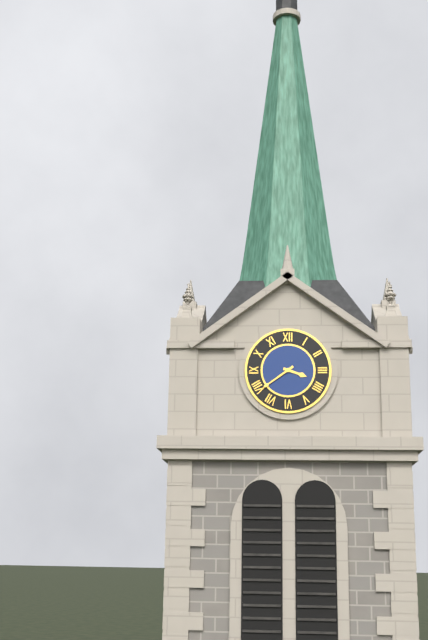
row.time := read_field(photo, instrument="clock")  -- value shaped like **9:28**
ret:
**3:39**
